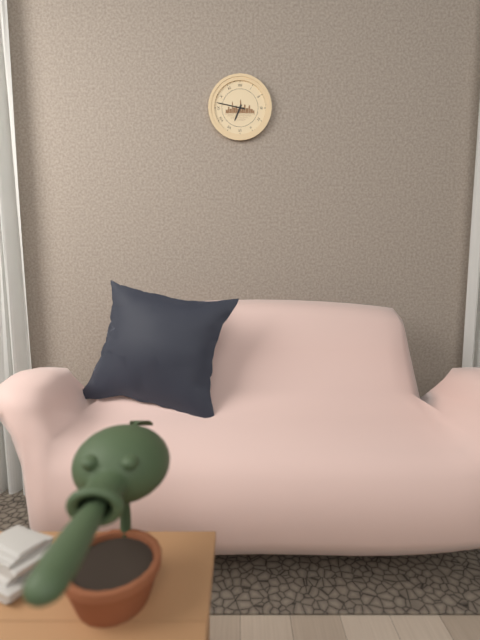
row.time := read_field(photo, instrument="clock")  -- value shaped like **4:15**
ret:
**6:47**
